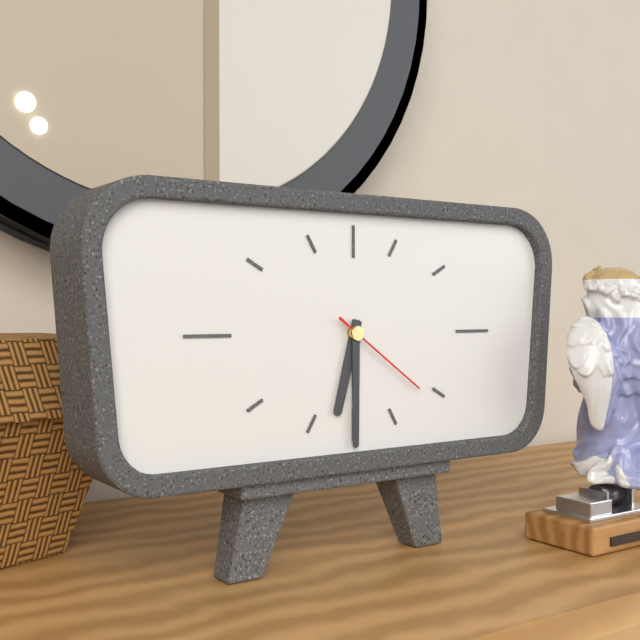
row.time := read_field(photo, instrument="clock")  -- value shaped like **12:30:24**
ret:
**6:30:21**
